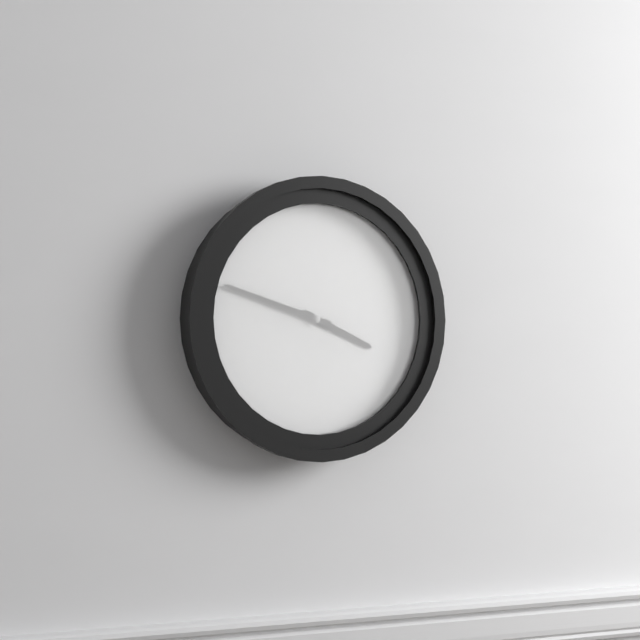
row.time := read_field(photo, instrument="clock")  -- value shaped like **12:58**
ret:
**3:48**
